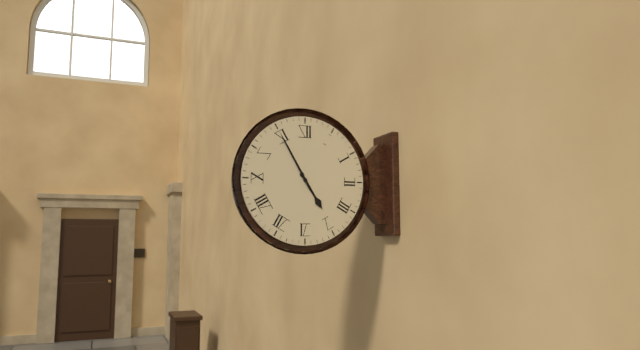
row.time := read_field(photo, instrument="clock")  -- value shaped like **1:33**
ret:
**4:55**
